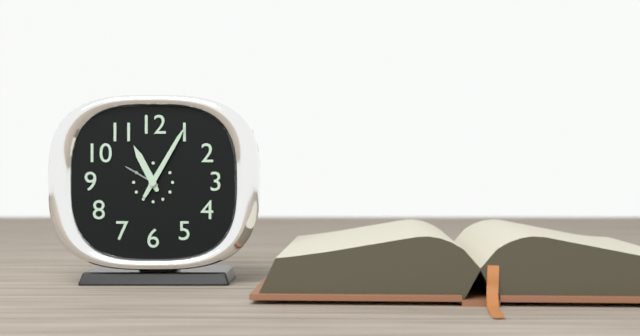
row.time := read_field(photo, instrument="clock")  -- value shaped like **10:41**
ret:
**11:05**
